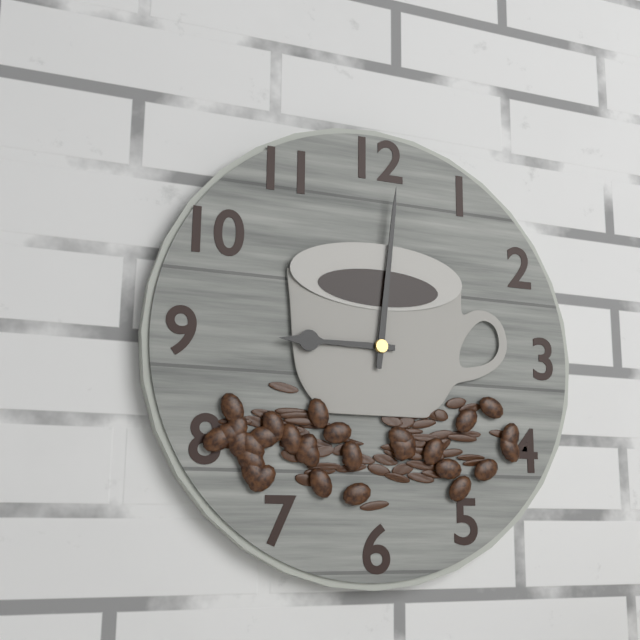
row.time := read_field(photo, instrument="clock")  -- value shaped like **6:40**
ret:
**9:01**
